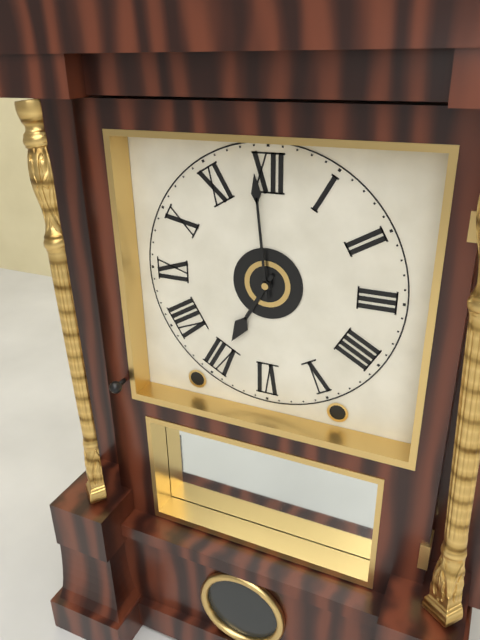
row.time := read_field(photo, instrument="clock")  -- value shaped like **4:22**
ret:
**6:59**
